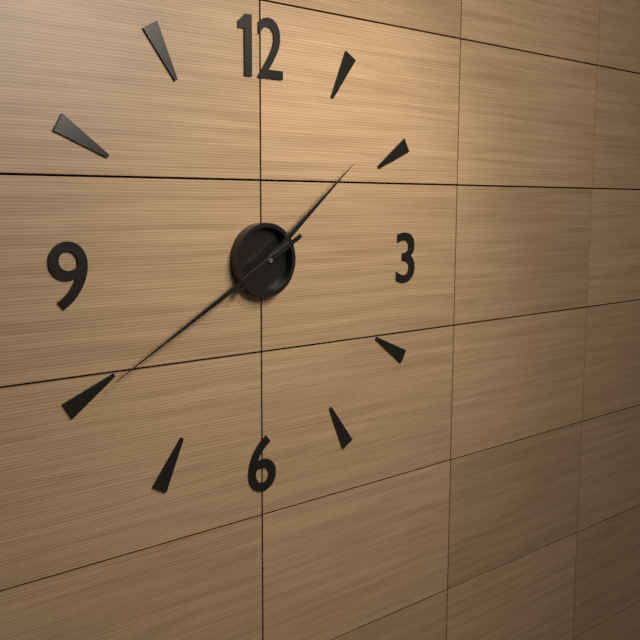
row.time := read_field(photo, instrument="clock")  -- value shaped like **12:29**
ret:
**1:40**
